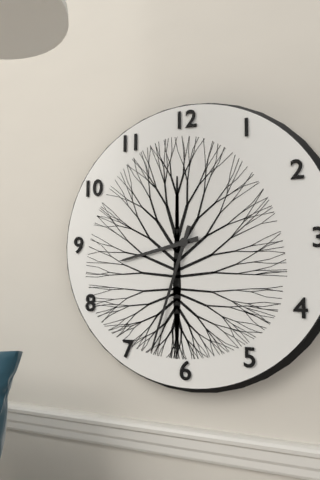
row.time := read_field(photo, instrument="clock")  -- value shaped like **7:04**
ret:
**8:33**
